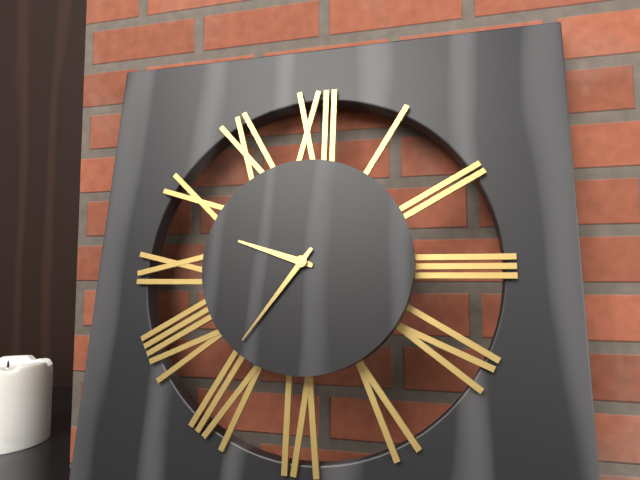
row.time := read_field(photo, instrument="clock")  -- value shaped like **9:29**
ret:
**9:36**
